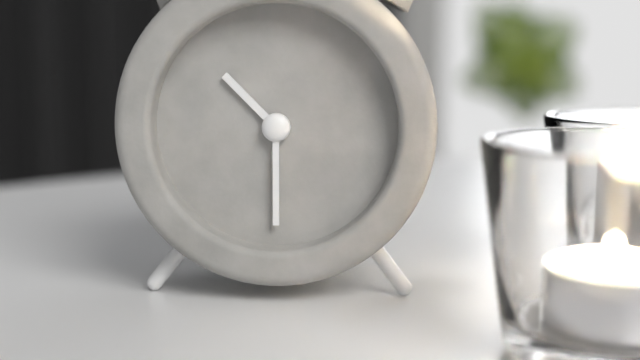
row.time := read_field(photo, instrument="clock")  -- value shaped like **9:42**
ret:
**10:30**
